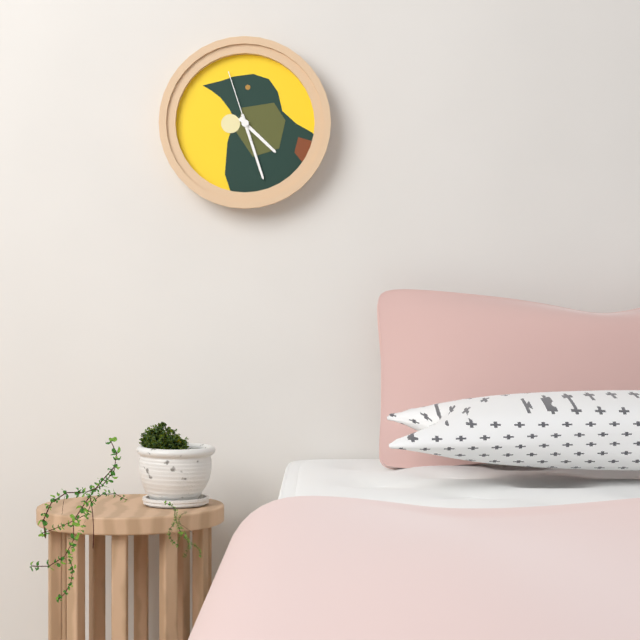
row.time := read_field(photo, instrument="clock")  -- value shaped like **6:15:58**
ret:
**4:27:57**
